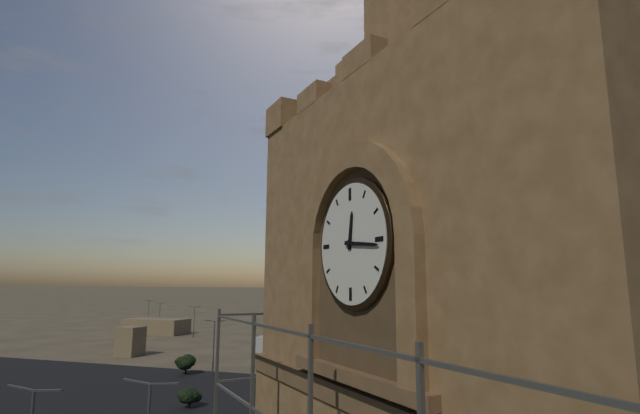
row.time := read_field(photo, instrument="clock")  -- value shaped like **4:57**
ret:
**12:16**
